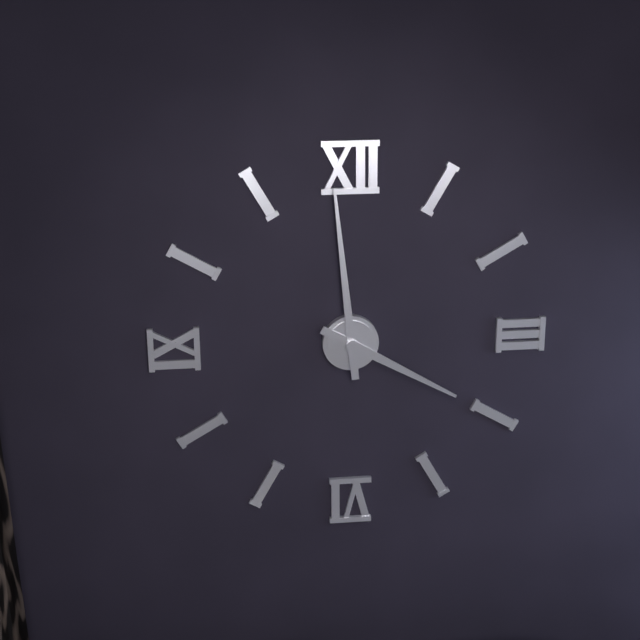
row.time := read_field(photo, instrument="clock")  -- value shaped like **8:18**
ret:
**3:59**
